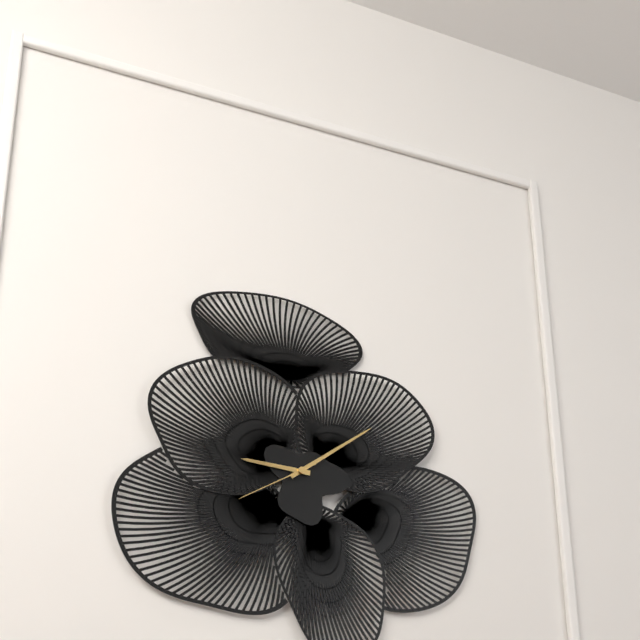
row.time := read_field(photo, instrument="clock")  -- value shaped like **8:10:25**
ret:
**9:09:40**
